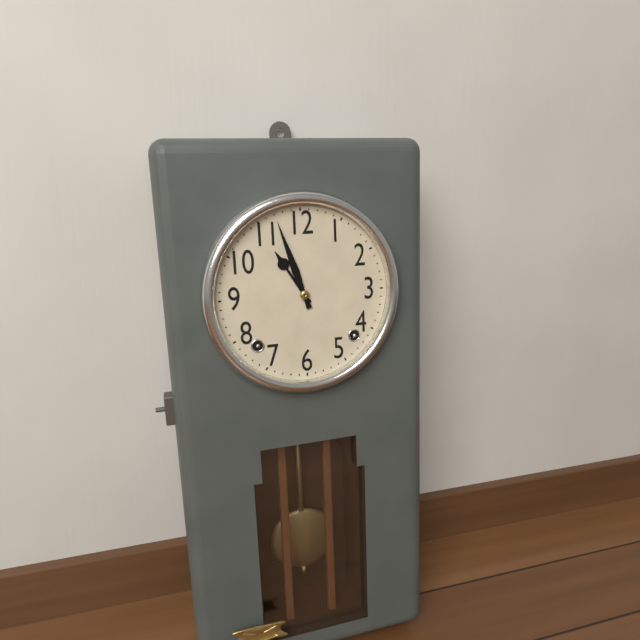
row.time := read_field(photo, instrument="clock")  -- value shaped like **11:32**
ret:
**10:57**
